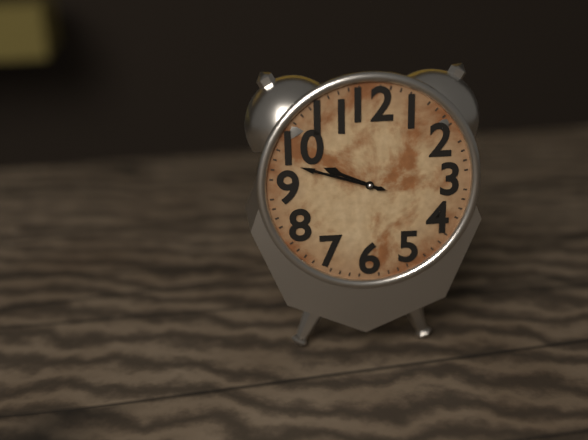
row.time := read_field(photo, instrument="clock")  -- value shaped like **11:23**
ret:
**9:48**
